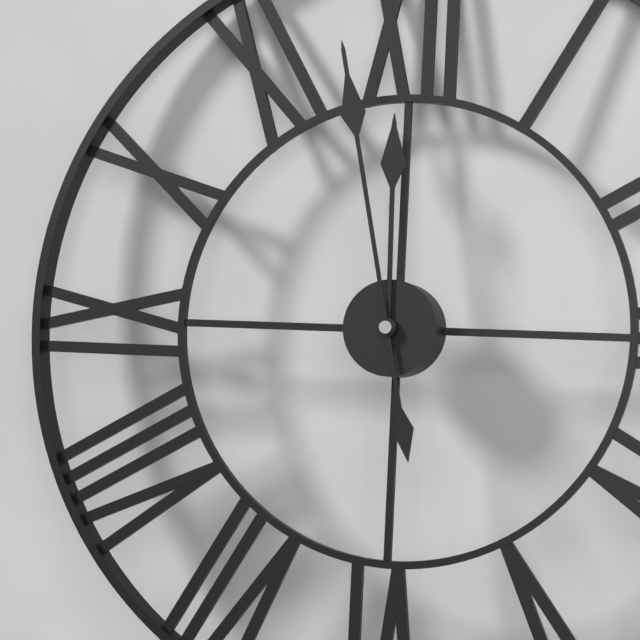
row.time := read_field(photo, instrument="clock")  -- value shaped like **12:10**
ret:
**11:58**
